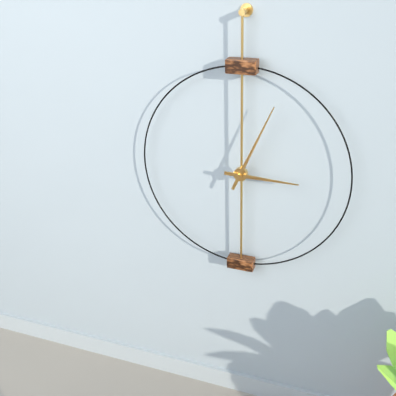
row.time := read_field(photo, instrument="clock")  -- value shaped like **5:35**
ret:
**3:04**
